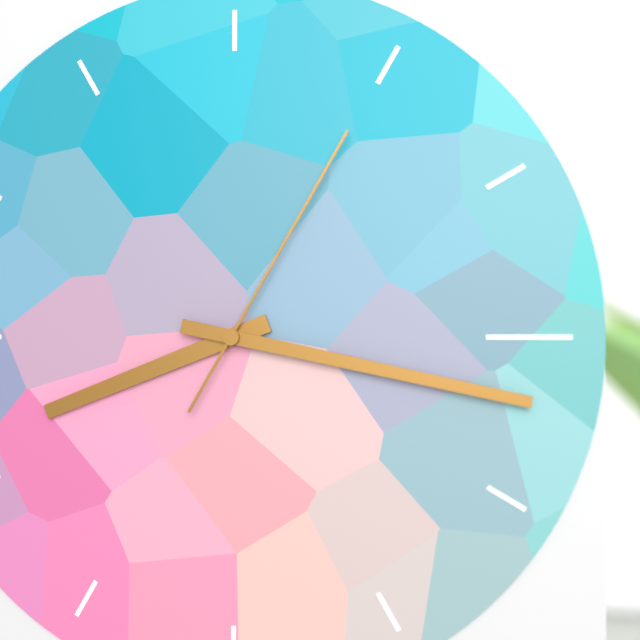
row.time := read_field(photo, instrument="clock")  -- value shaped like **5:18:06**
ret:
**8:17:05**
